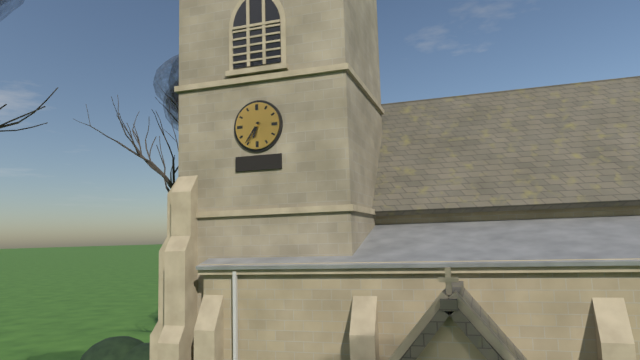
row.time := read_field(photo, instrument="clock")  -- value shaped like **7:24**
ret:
**6:36**
